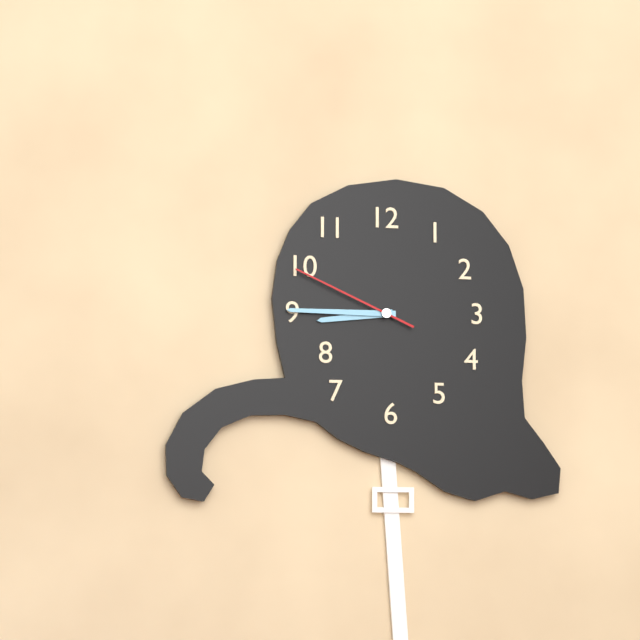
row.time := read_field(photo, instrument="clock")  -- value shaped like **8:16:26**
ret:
**8:45:49**
